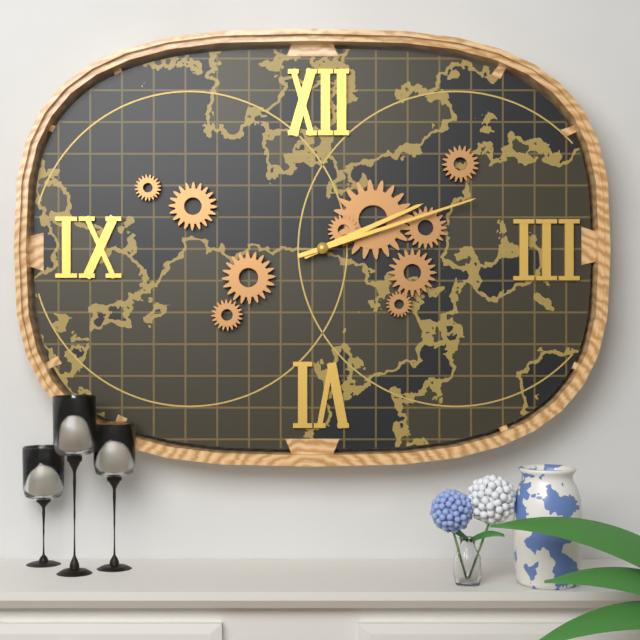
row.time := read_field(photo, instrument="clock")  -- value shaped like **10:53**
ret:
**2:12**
